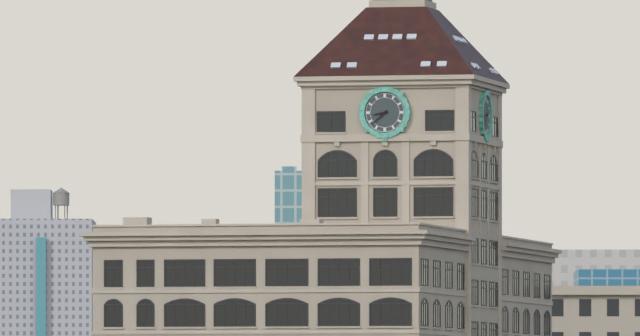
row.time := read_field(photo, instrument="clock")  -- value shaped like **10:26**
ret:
**8:38**
